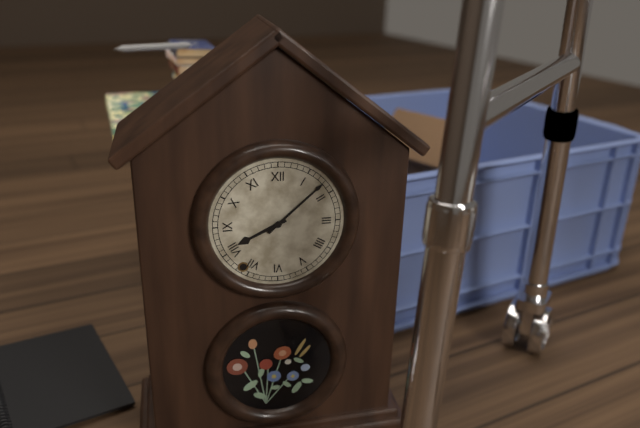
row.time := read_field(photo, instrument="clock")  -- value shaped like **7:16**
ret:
**8:08**
